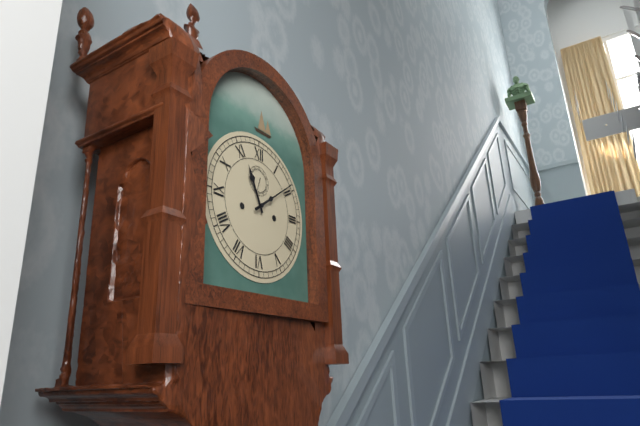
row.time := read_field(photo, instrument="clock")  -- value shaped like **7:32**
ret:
**11:09**
